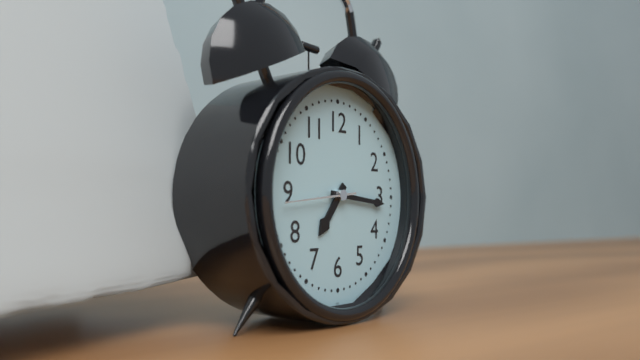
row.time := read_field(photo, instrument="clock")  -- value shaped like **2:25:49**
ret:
**7:16:44**
